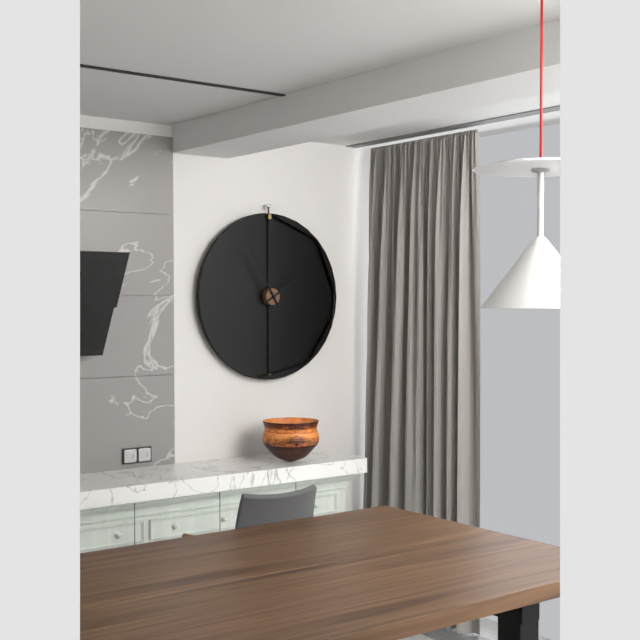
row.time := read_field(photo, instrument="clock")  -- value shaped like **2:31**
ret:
**1:55**
